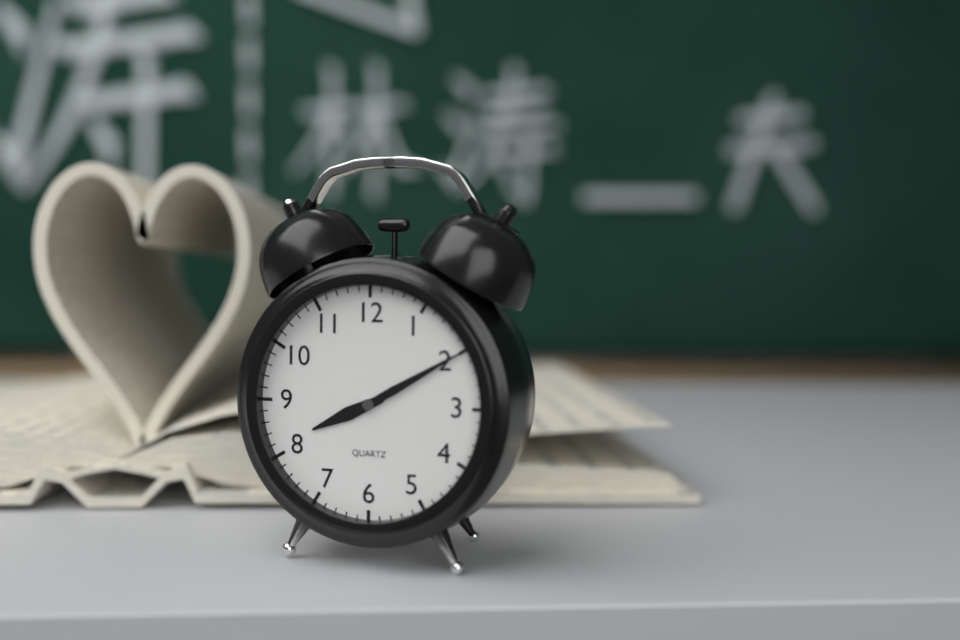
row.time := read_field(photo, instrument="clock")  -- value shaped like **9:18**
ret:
**8:10**
